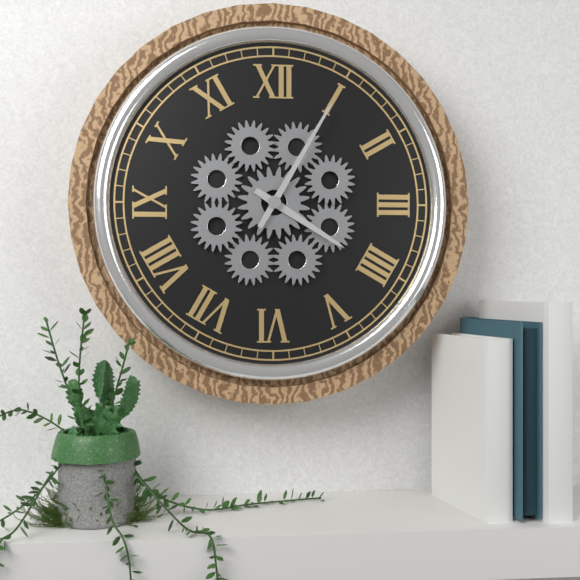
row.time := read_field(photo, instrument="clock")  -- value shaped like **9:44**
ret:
**4:05**
